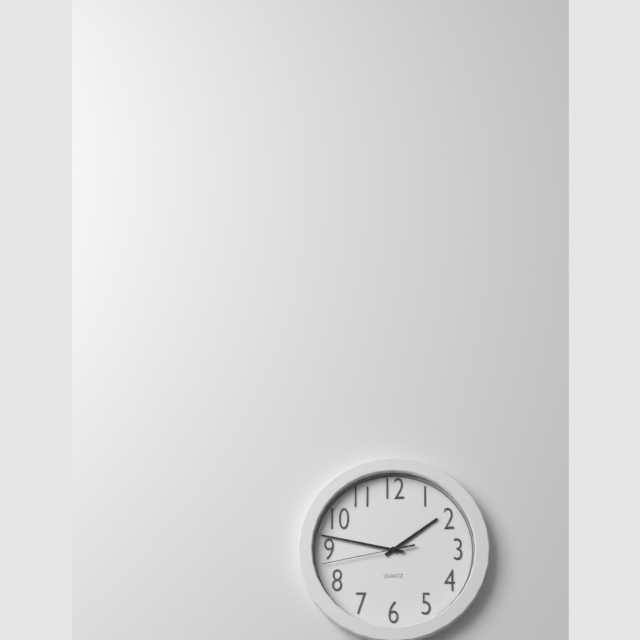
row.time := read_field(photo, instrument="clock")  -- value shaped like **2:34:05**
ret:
**1:47:43**
